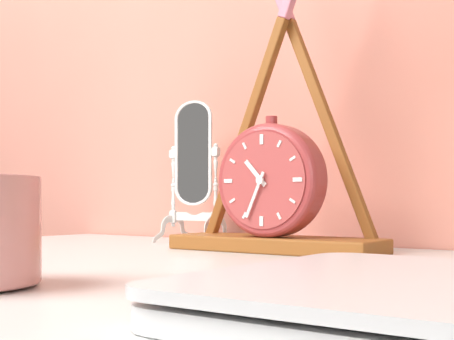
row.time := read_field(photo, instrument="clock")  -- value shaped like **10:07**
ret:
**10:34**
